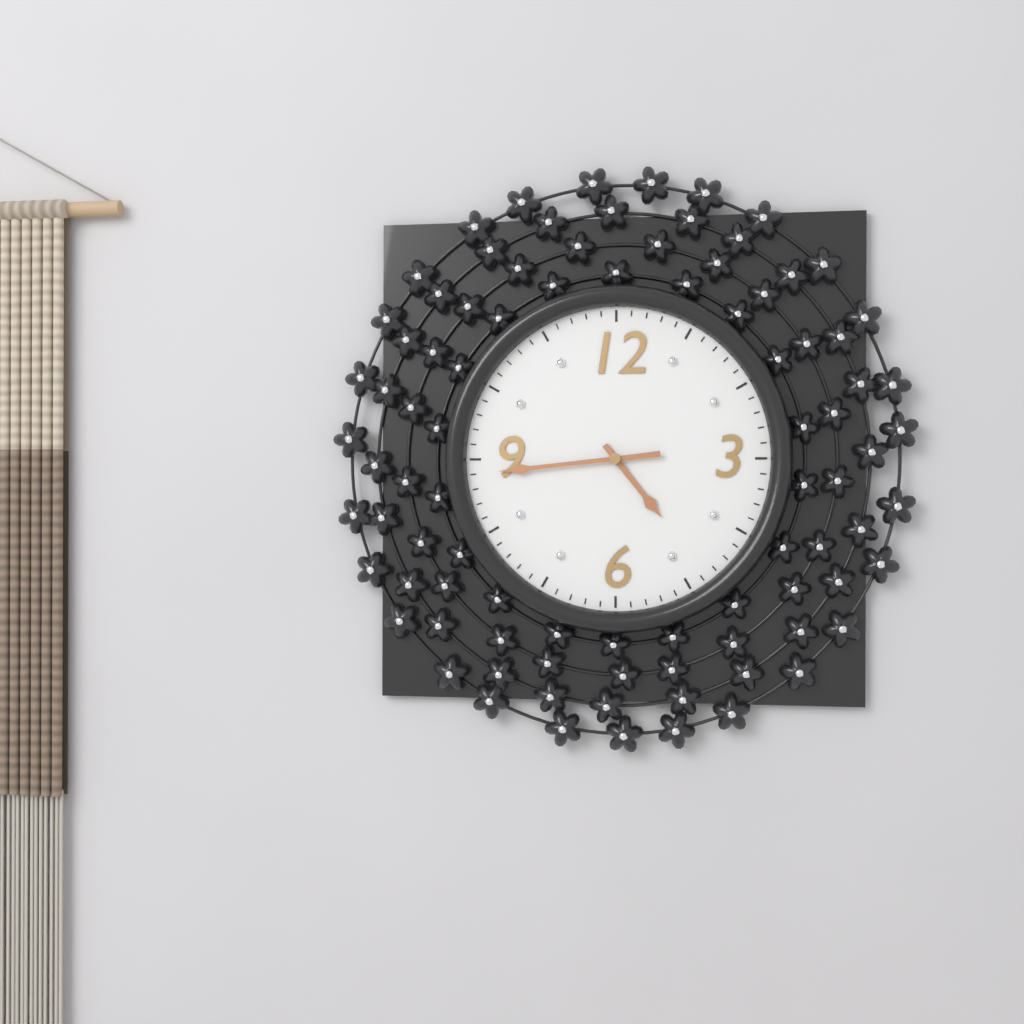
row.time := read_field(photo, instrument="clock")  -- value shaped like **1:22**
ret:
**4:44**
